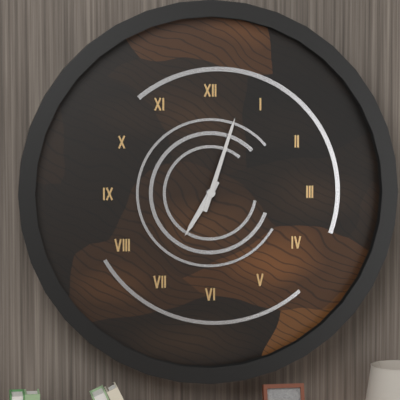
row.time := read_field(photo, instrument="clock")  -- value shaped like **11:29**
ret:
**7:03**
